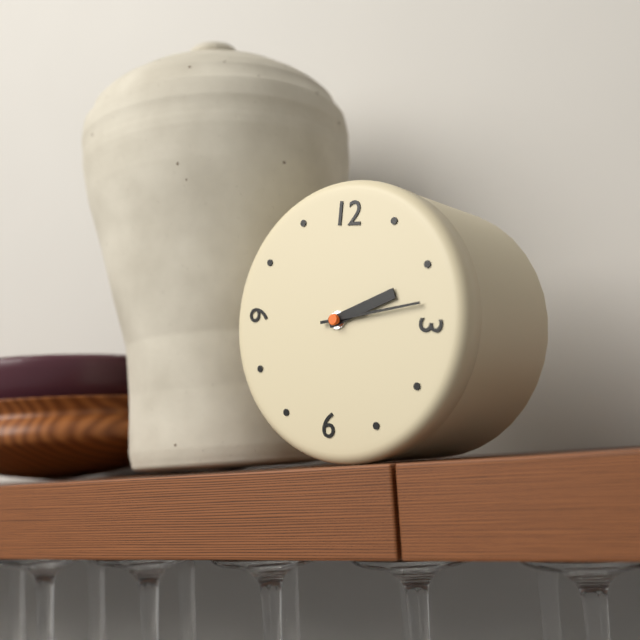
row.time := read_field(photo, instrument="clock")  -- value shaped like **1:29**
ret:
**2:13**
